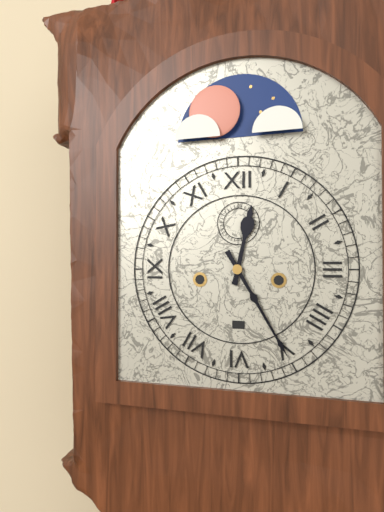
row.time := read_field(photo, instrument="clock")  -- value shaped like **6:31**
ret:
**12:25**
